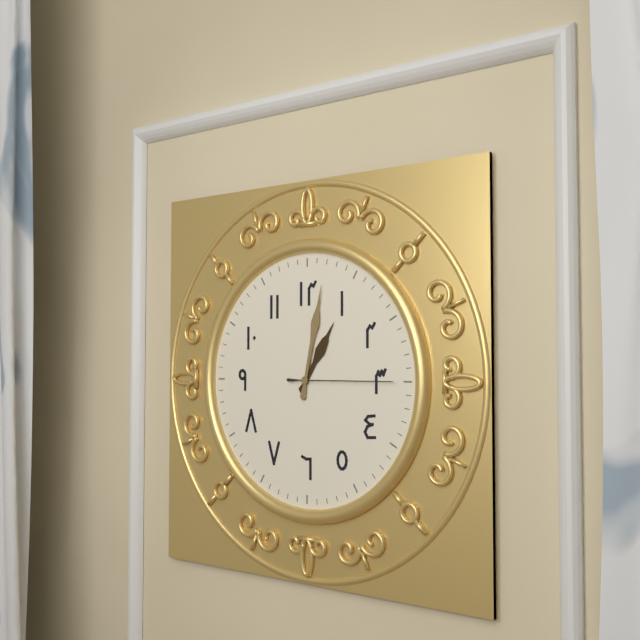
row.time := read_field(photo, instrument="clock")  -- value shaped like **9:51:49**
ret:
**1:02:15**
